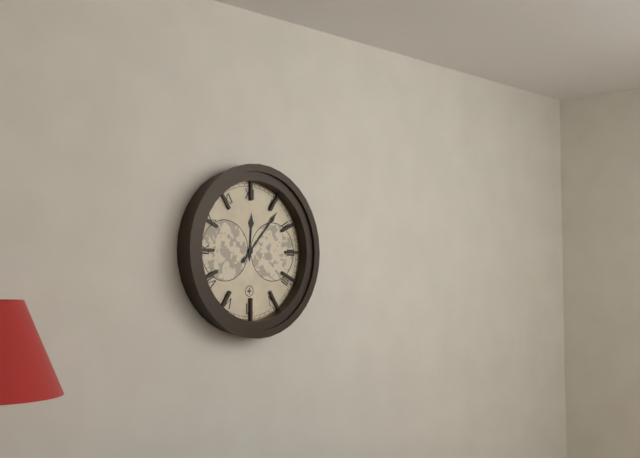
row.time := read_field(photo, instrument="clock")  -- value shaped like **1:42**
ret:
**12:07**
